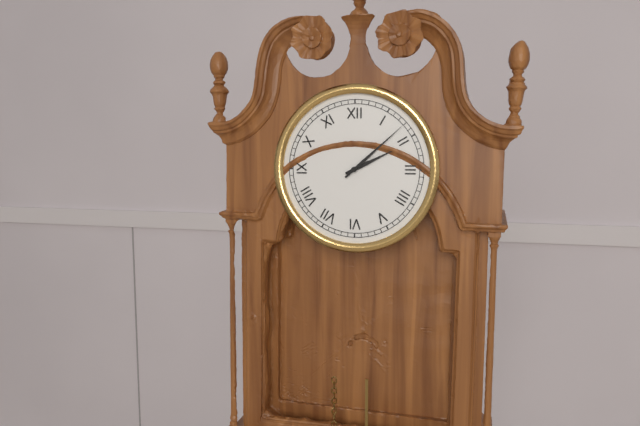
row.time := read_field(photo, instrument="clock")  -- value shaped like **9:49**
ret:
**2:08**
